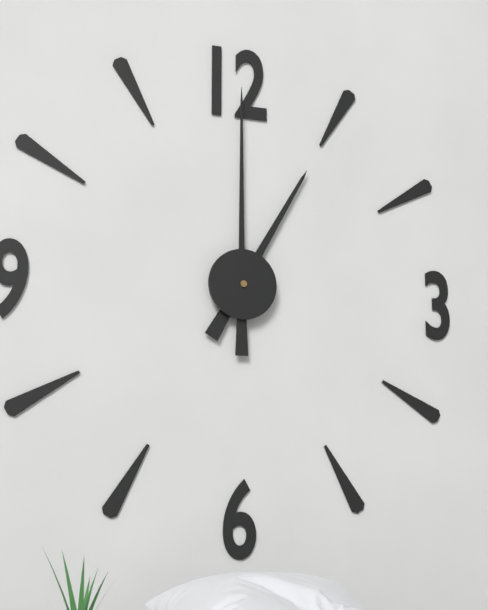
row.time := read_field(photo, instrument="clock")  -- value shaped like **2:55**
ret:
**1:00**
